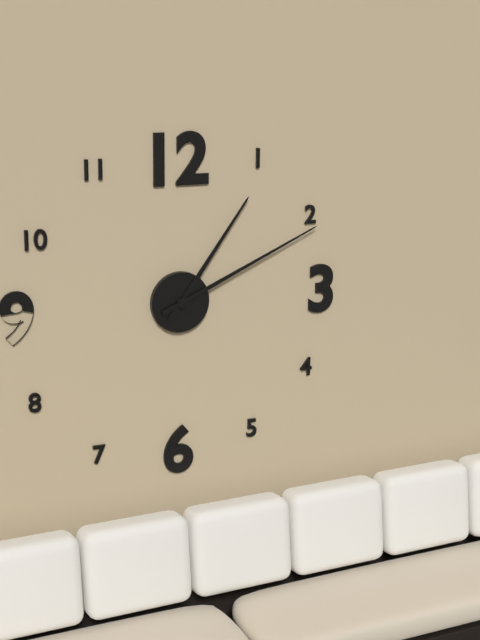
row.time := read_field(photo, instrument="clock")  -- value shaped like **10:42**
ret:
**1:11**
